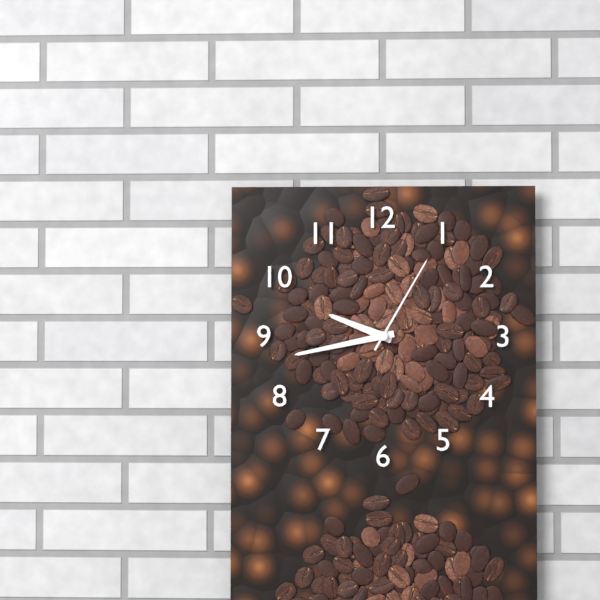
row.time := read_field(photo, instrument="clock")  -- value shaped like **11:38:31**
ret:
**9:43:05**
